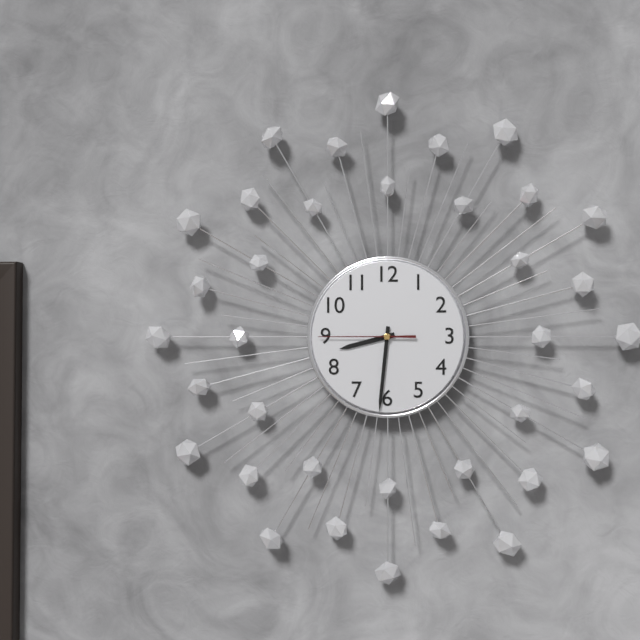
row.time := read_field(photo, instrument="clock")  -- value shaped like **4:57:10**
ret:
**8:31:45**
